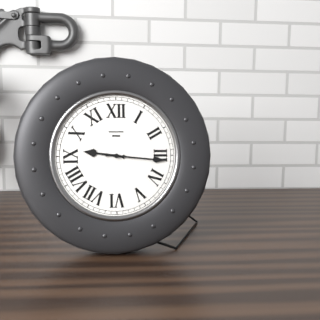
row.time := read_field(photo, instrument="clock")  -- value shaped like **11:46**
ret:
**9:16**
